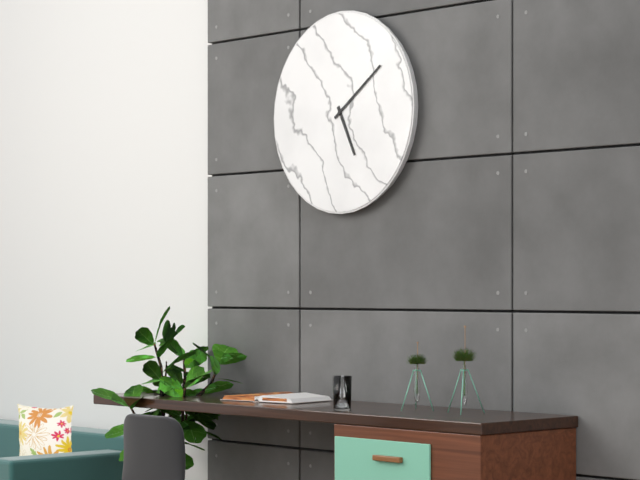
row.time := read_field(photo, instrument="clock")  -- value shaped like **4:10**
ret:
**5:09**
